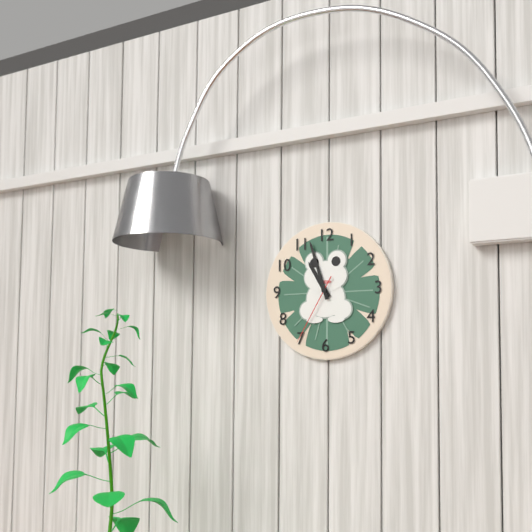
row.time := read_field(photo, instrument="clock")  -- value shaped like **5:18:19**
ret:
**10:57:35**
